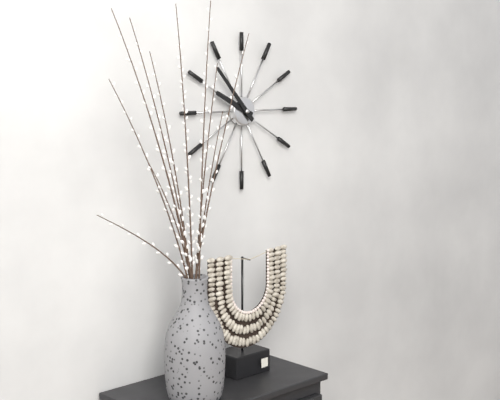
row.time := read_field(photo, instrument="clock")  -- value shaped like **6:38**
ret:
**9:53**
